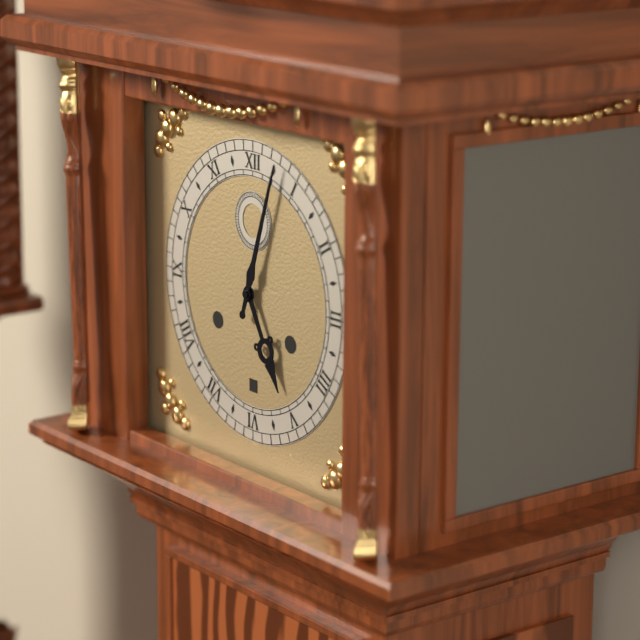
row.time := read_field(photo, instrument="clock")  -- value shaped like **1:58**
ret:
**5:03**
